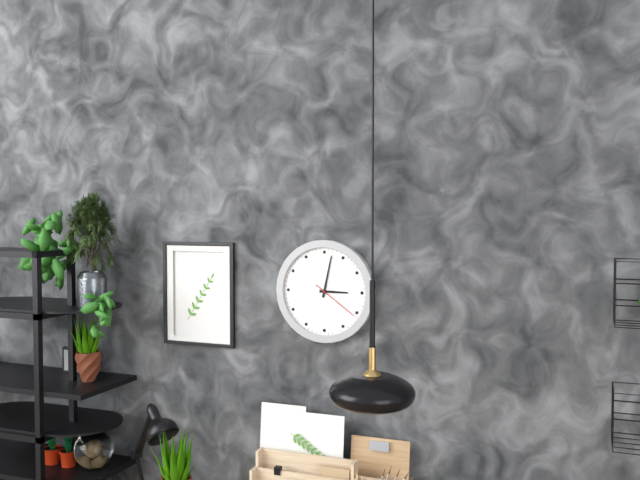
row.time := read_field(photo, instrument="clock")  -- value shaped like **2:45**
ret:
**3:02**
